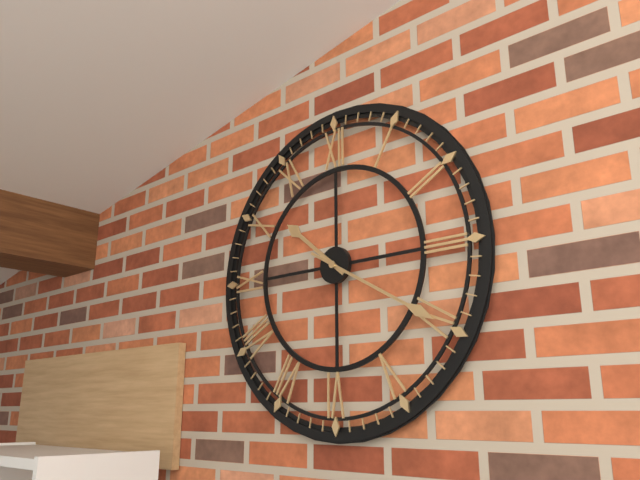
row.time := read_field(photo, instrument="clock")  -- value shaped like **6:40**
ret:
**10:20**
